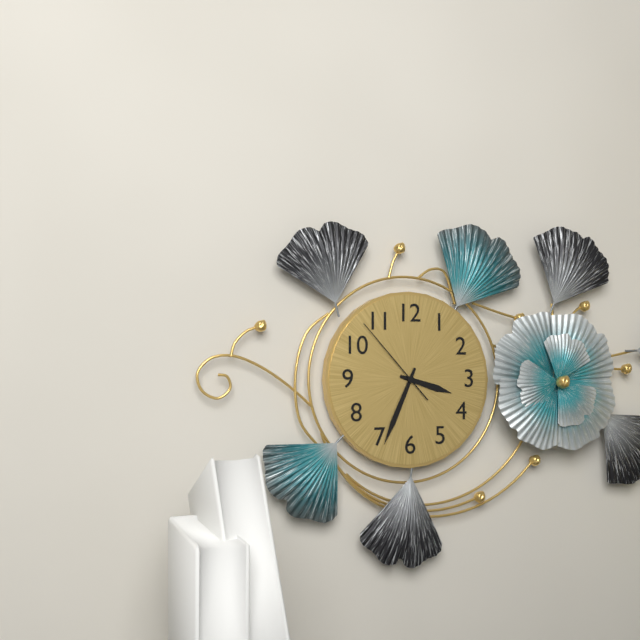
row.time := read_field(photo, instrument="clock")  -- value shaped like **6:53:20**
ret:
**3:34:53**
